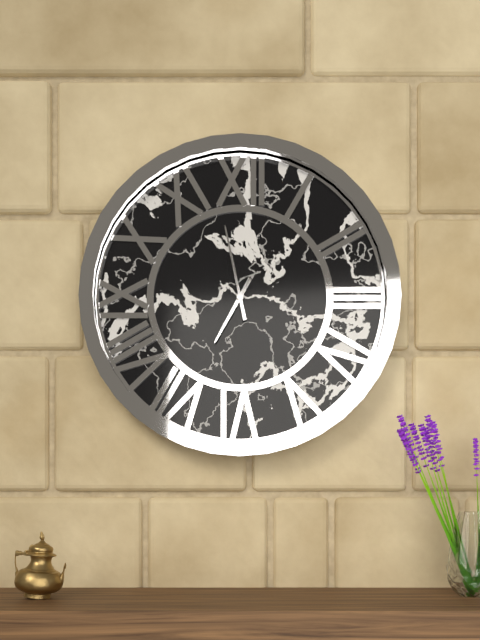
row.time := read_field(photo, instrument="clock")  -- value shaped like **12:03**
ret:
**6:58**
